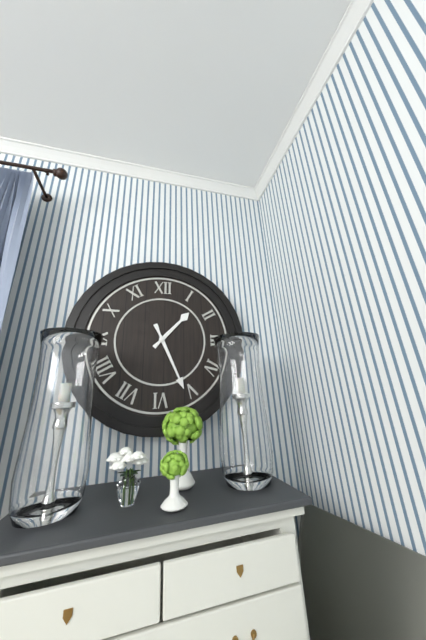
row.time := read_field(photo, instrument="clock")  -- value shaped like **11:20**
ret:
**1:26**
